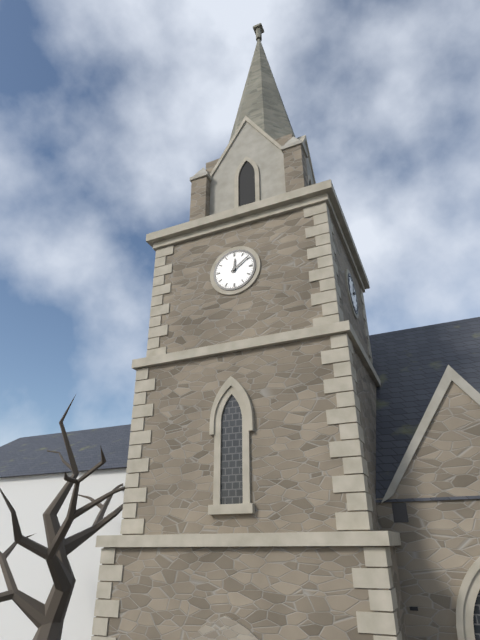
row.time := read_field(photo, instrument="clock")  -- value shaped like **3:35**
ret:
**12:09**
